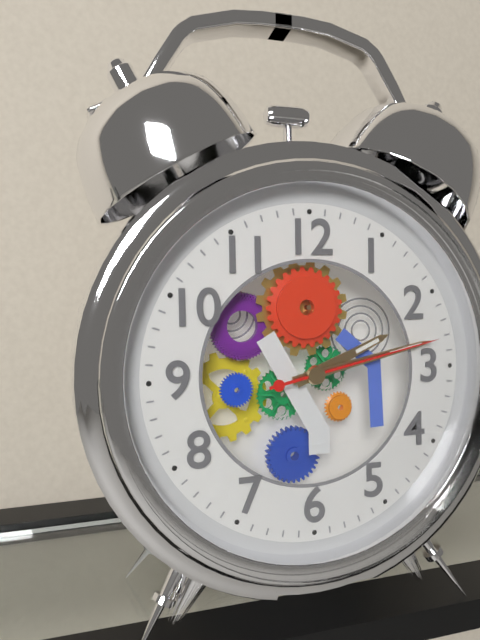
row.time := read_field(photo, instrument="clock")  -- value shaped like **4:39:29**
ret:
**2:13:13**
